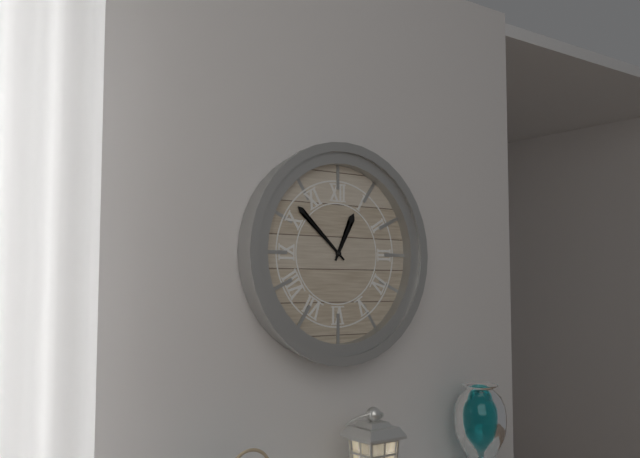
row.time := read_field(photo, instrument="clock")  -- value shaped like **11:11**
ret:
**12:52**
